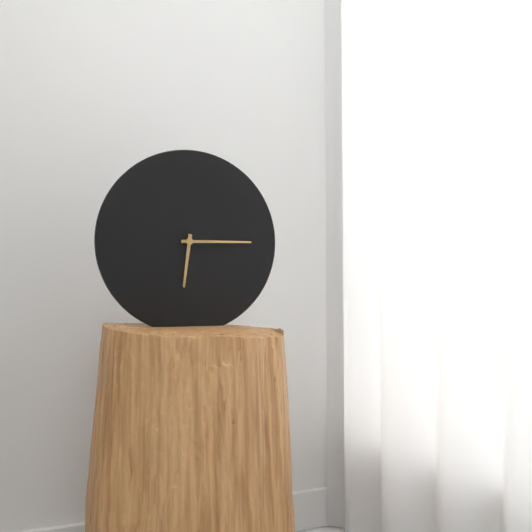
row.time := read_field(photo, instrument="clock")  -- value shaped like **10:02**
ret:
**6:15**
